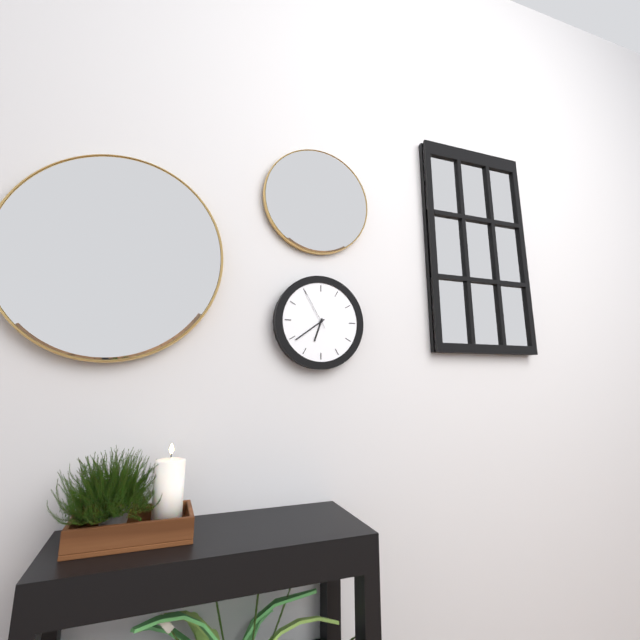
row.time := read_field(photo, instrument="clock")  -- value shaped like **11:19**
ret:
**6:39**
